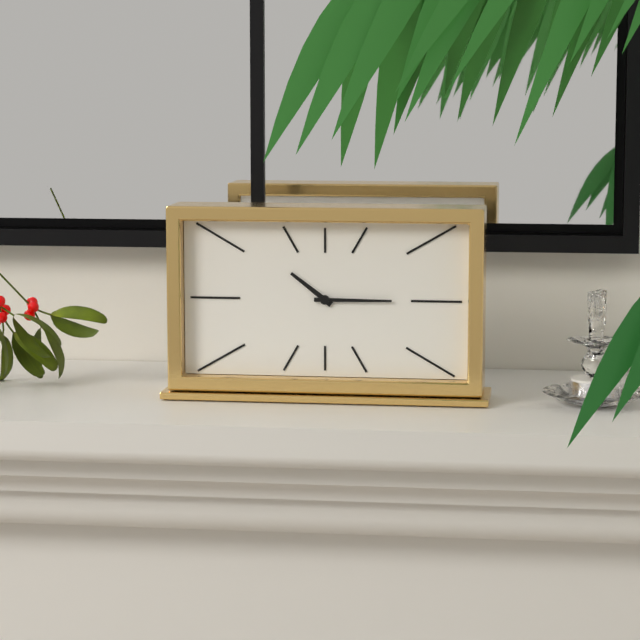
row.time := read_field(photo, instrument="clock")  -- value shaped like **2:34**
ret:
**10:15**
